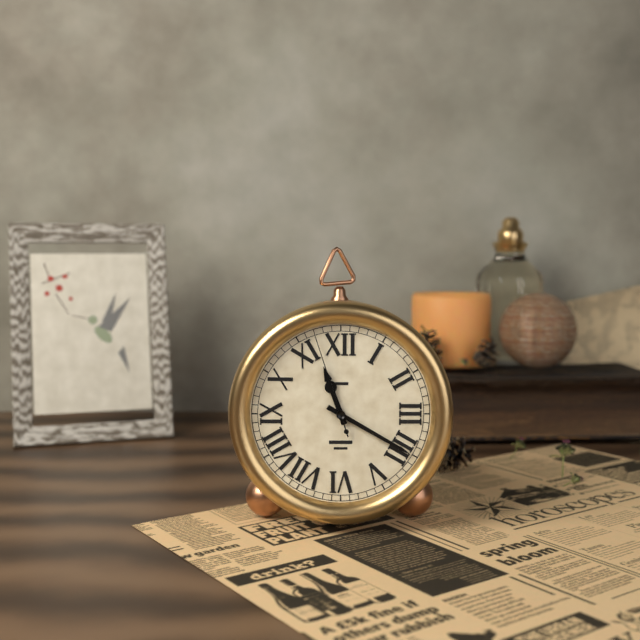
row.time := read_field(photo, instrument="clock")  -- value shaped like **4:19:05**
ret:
**11:20:57**
